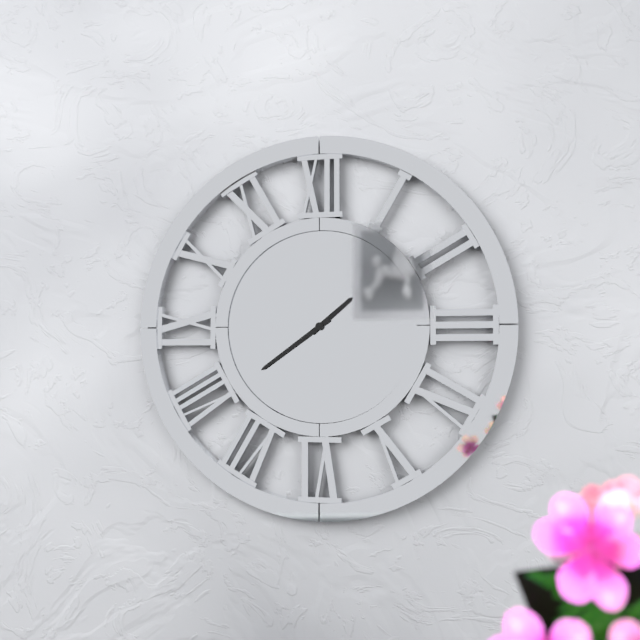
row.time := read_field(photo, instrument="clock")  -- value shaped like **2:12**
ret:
**1:39**
